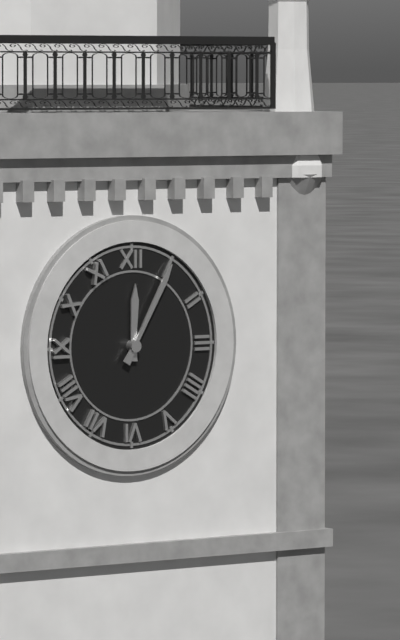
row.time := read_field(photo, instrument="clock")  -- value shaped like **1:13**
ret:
**12:05**
